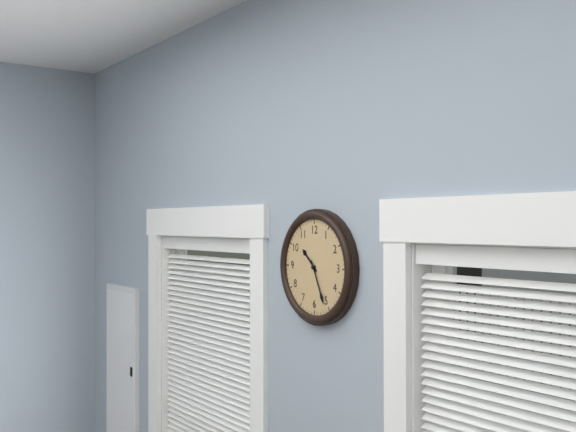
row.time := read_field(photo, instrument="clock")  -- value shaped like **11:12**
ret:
**10:26**
